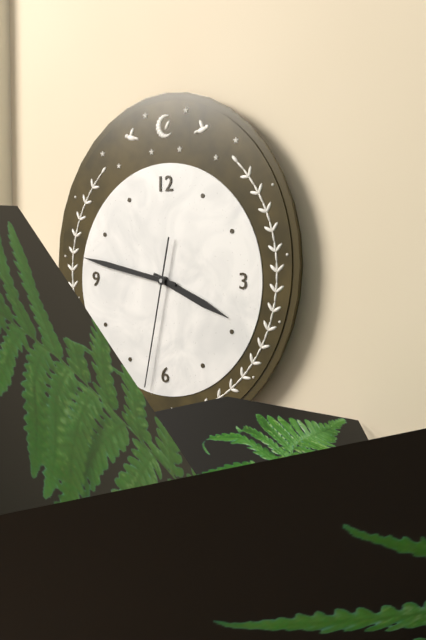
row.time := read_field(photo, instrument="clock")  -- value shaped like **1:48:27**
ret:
**3:47:32**
